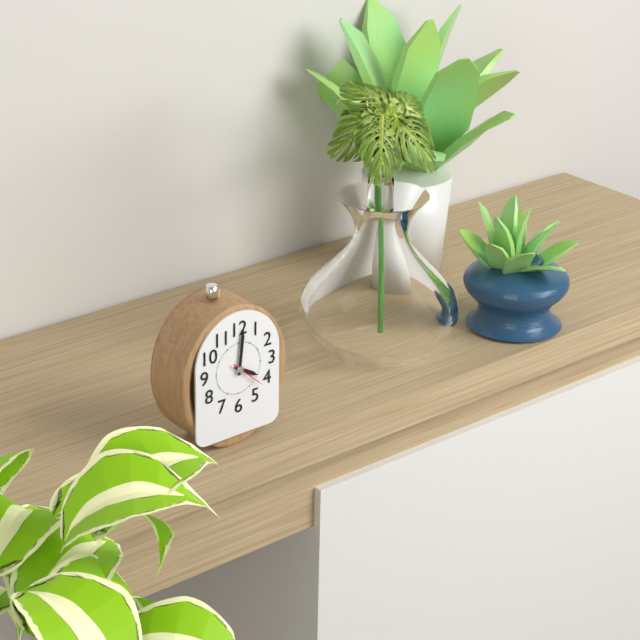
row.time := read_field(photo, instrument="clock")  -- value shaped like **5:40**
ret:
**4:01**
